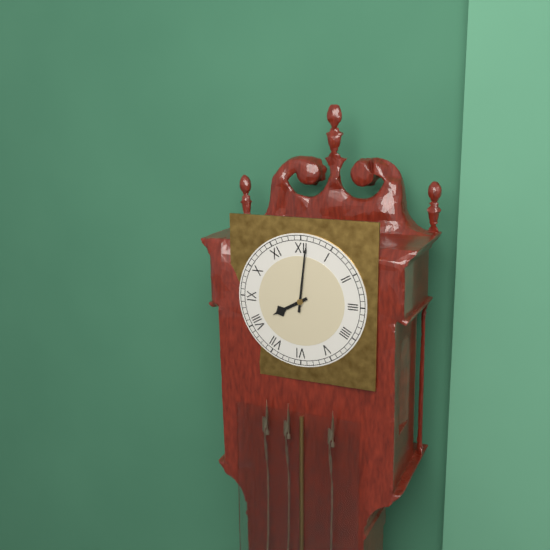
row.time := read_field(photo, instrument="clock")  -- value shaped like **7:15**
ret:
**8:01**
